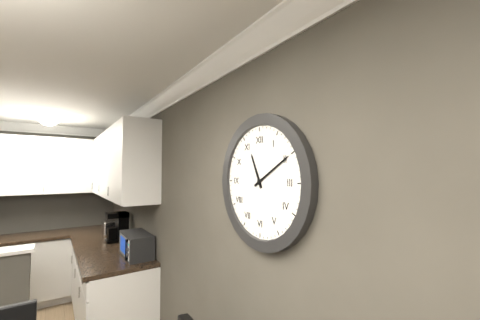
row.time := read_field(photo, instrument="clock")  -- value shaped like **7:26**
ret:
**11:10**
